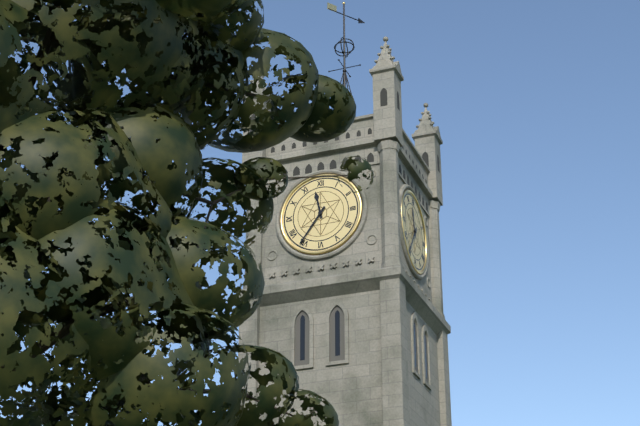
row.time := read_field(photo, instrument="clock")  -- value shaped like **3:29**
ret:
**11:36**
